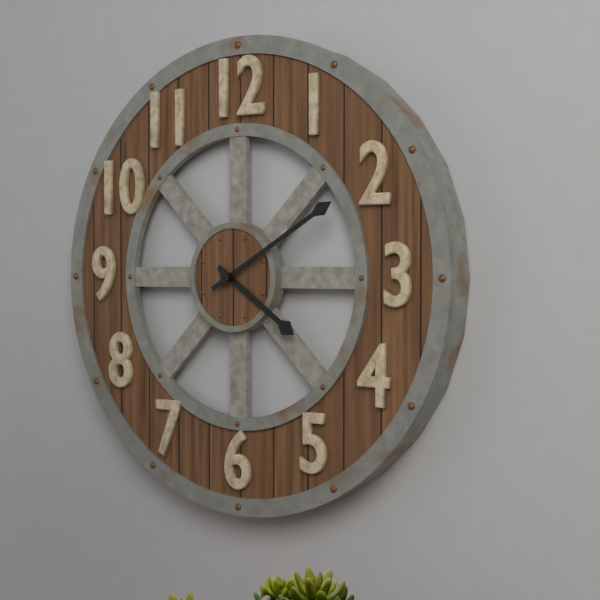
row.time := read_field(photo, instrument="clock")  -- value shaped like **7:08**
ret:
**4:10**
